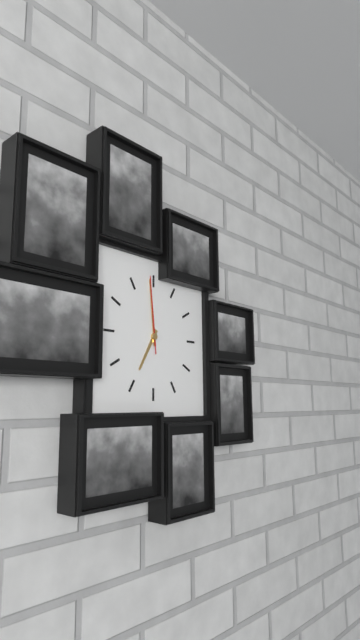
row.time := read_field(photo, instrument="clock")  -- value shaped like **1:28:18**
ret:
**6:59:59**
